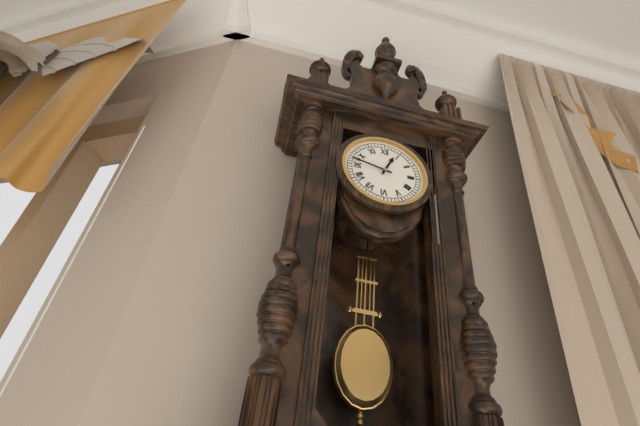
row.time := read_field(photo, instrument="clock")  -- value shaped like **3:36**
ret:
**12:47**
